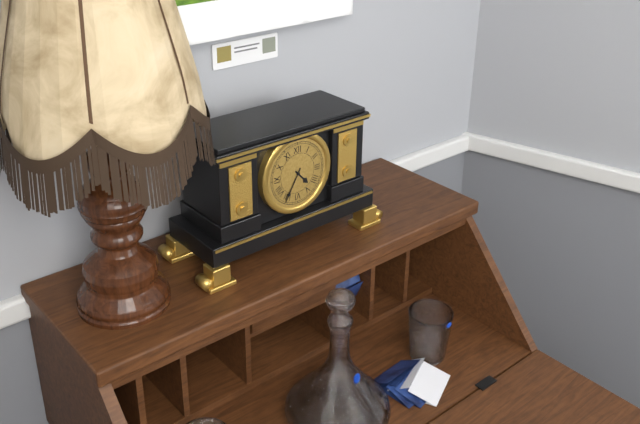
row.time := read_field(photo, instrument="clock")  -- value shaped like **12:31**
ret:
**4:35**
